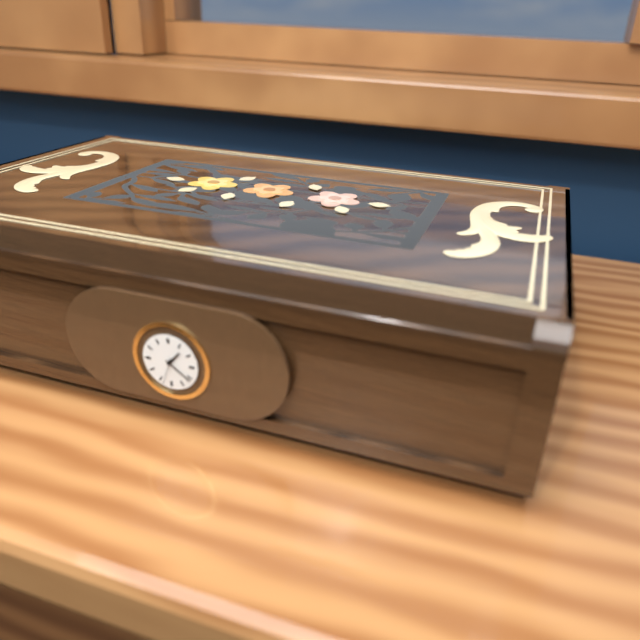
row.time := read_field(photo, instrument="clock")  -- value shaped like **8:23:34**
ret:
**1:21:33**
